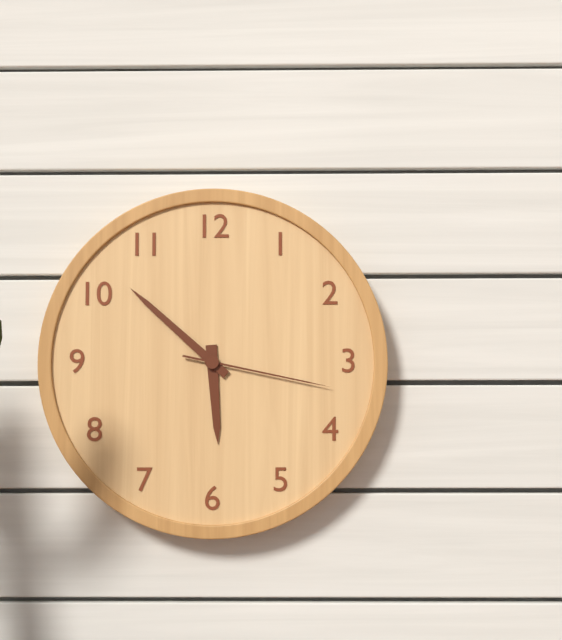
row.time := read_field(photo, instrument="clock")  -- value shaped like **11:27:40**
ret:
**5:52:17**
